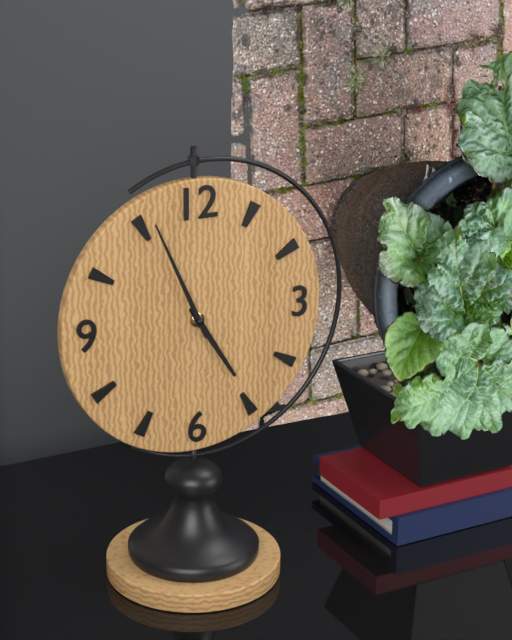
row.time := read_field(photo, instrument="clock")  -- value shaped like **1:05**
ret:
**4:56**
